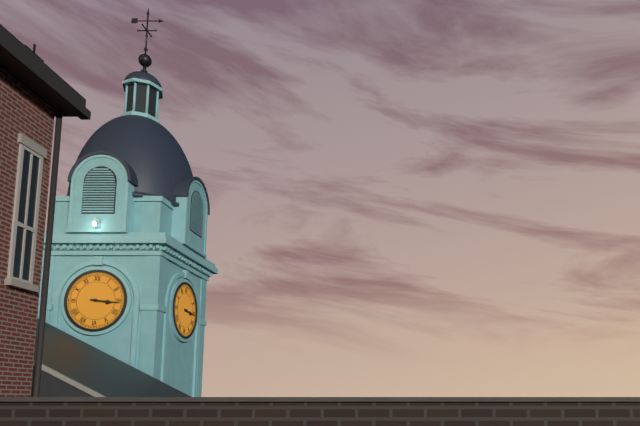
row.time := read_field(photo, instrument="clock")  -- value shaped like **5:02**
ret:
**3:16**
